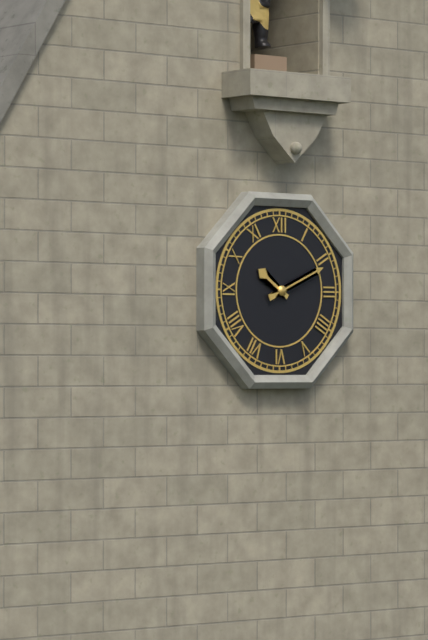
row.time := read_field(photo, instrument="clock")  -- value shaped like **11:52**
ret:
**10:11**
